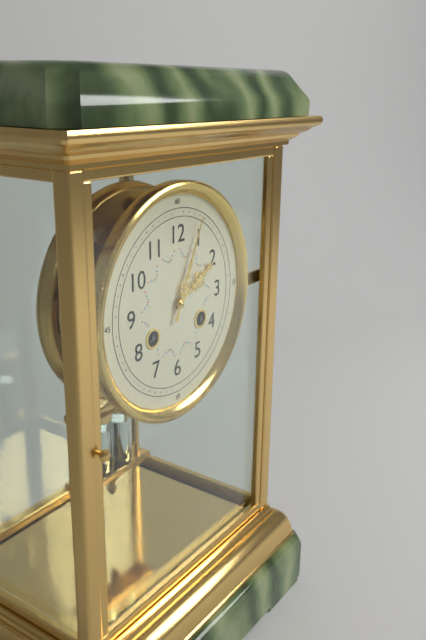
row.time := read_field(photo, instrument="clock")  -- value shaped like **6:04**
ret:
**2:04**
